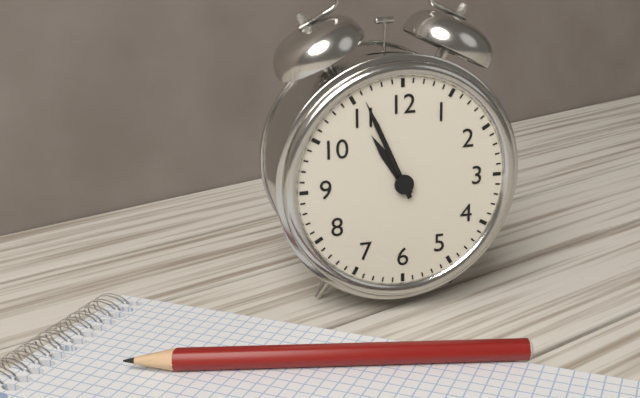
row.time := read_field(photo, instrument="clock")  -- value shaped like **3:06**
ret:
**10:56**
